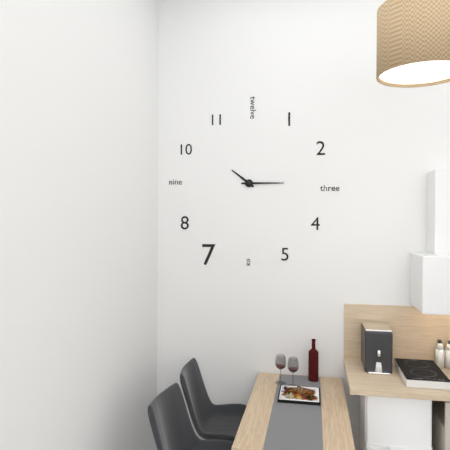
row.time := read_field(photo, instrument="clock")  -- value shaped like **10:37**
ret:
**10:15**
